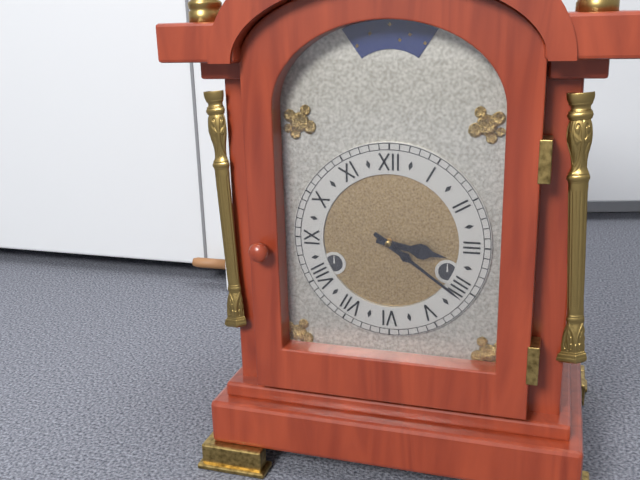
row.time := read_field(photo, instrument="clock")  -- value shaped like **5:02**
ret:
**3:21**
